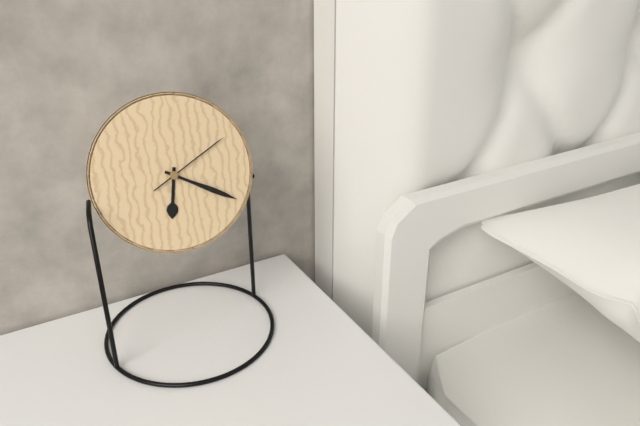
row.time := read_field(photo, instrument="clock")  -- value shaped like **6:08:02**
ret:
**6:20:10**
